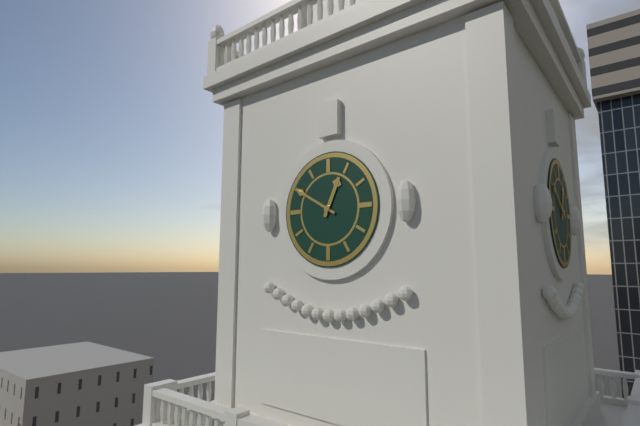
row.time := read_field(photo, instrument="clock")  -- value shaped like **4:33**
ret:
**12:50**
